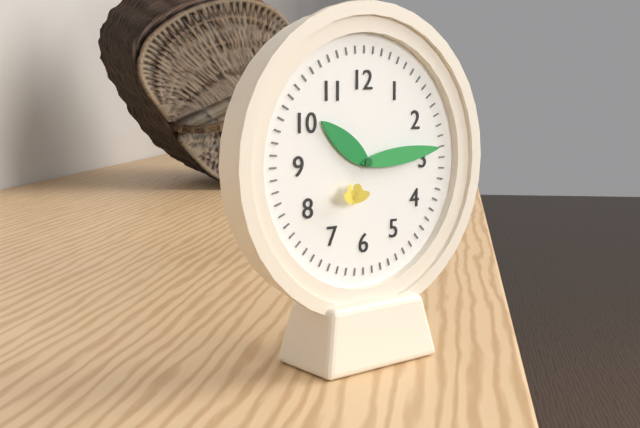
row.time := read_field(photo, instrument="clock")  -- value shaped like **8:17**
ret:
**10:14**
